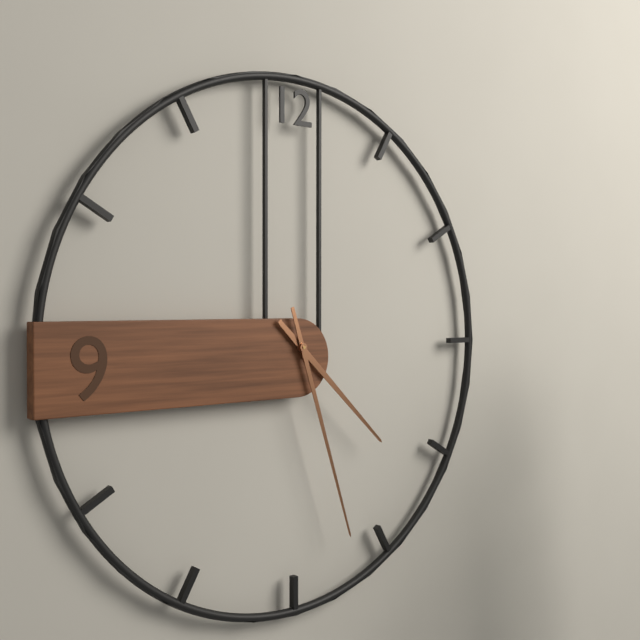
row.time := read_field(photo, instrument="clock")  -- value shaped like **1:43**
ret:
**4:27**
